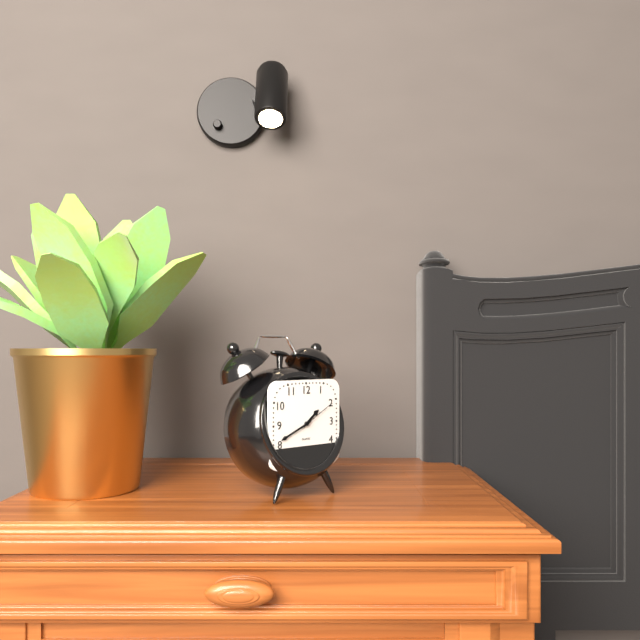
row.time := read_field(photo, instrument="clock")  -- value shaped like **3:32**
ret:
**1:41**
